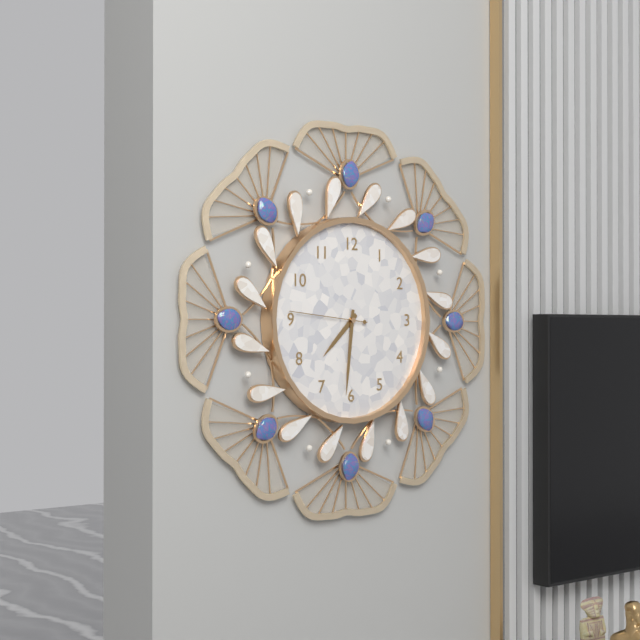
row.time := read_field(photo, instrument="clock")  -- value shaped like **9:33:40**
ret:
**7:31:46**
